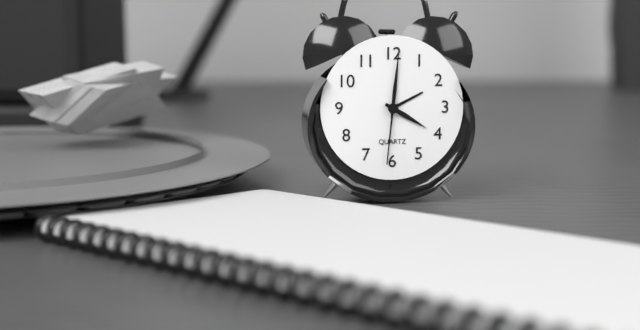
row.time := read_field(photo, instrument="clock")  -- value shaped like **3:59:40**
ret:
**4:01:31**
